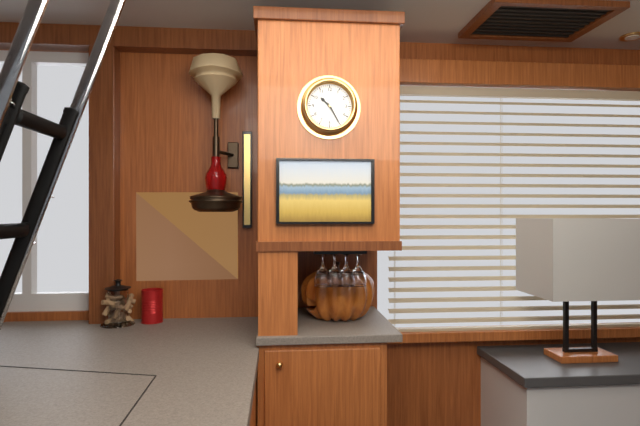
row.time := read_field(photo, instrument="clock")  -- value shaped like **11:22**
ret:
**10:25**
